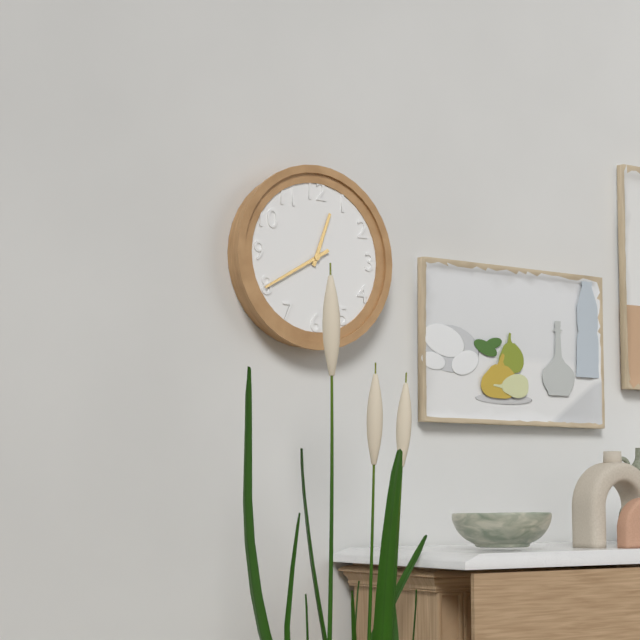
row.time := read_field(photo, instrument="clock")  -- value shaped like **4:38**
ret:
**12:40**
